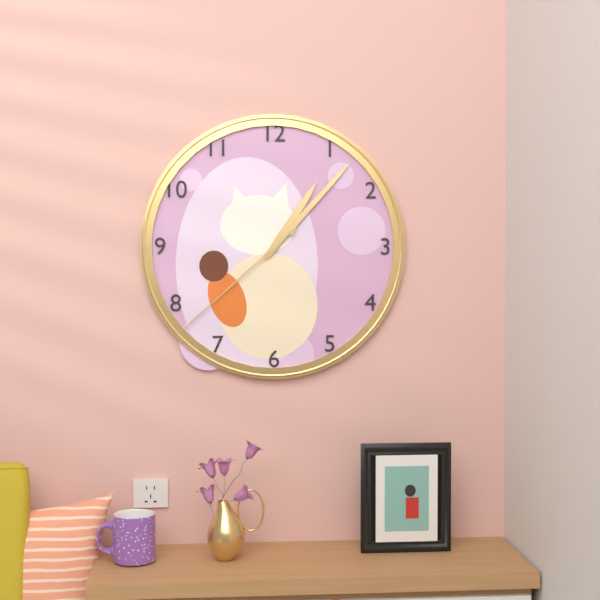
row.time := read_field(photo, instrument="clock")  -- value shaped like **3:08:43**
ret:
**1:07:38**
